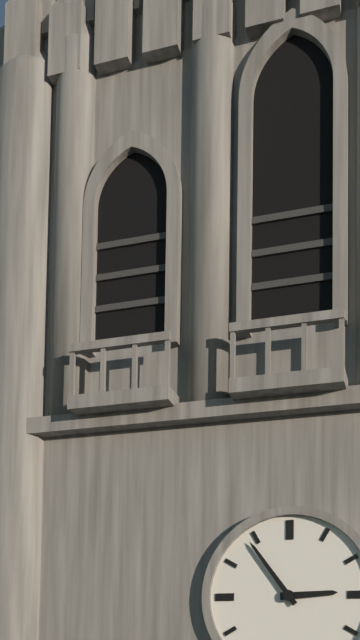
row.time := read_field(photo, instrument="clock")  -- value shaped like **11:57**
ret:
**2:54**
